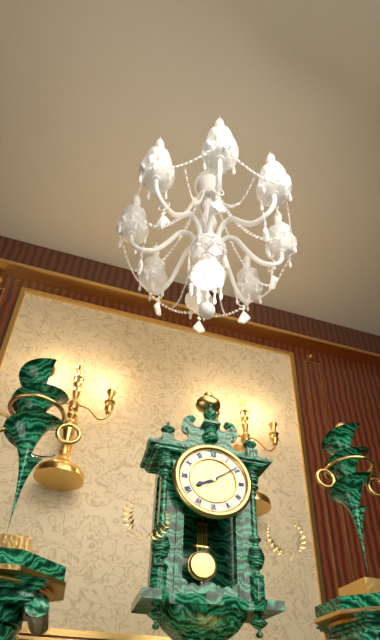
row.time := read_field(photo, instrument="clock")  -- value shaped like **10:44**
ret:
**8:09**
